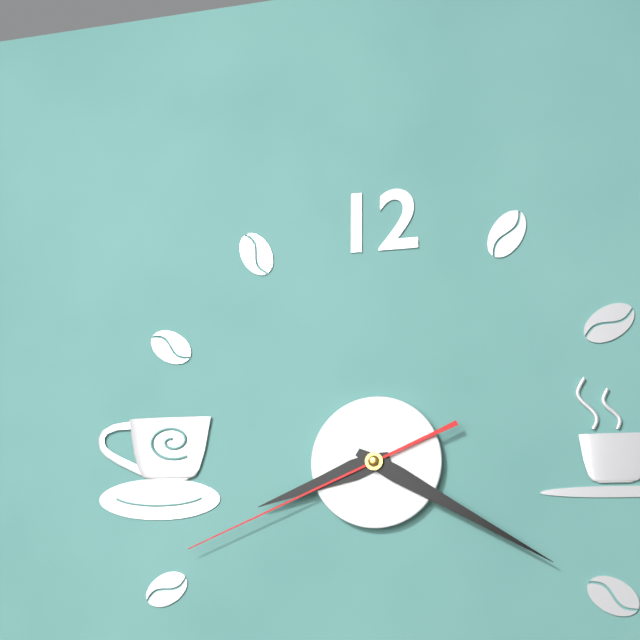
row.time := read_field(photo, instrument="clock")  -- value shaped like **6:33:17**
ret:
**8:20:41**
